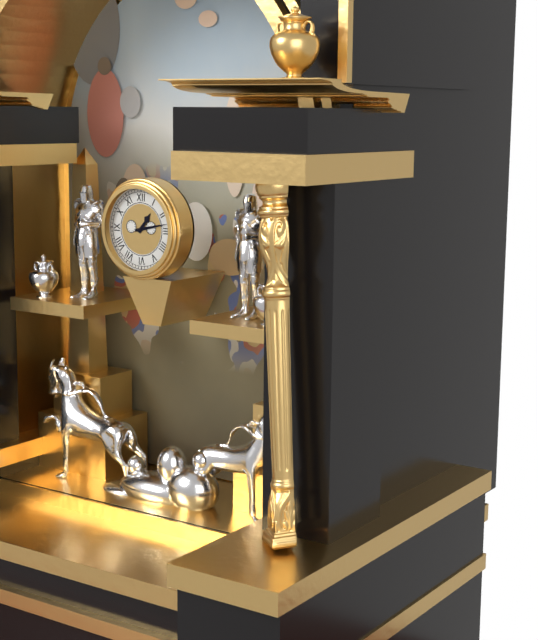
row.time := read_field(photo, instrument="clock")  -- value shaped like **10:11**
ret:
**1:13**
